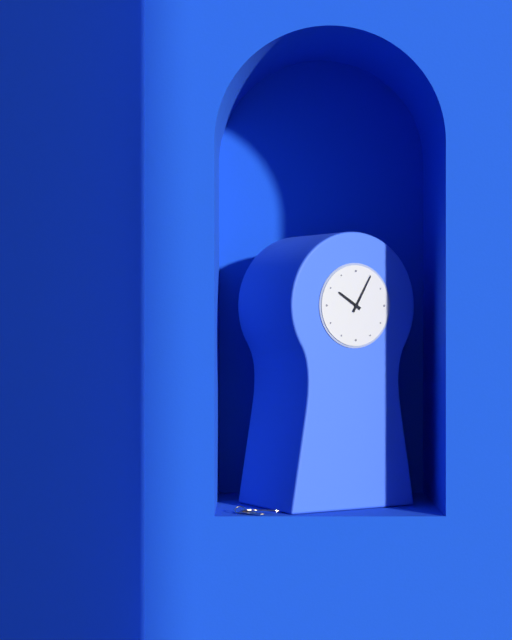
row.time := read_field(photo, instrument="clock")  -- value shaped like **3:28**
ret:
**10:05**
